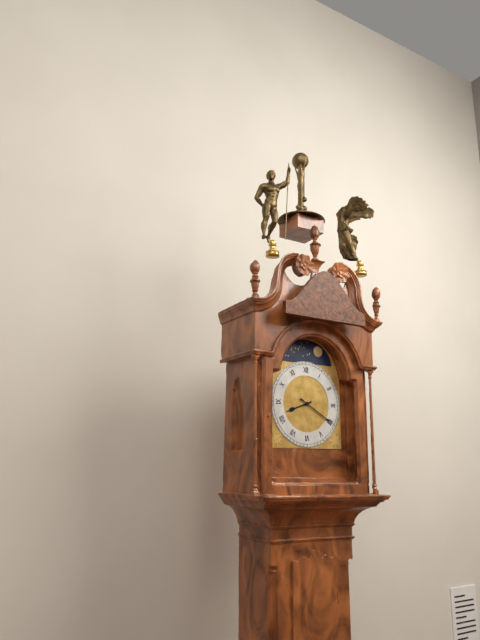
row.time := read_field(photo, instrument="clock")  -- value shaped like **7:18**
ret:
**8:20**
